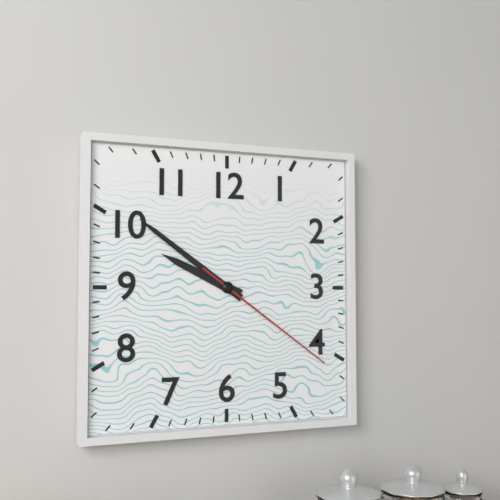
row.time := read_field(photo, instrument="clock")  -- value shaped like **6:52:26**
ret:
**9:51:21**
